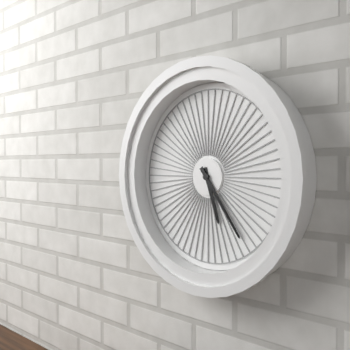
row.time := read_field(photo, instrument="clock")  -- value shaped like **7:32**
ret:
**5:24**
